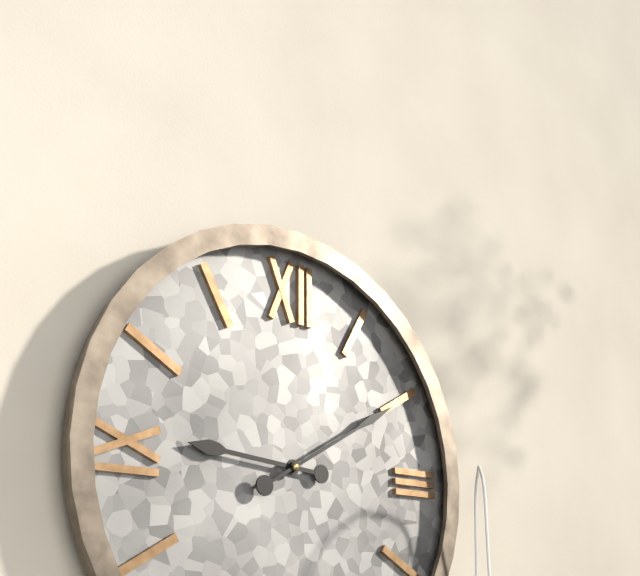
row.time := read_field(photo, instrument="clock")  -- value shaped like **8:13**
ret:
**9:10**
